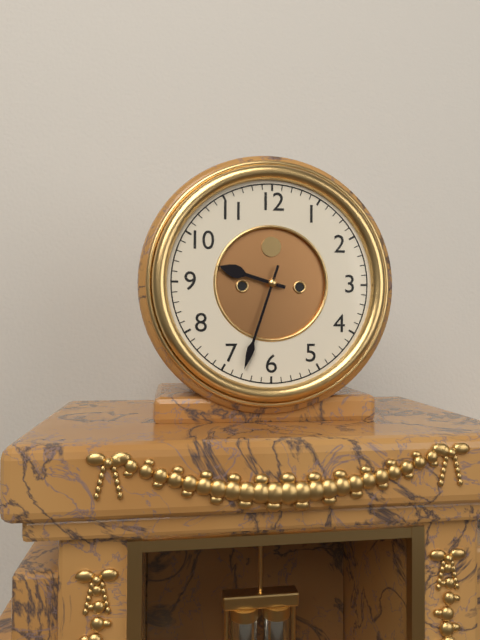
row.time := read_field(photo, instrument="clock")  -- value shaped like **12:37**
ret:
**9:33**
